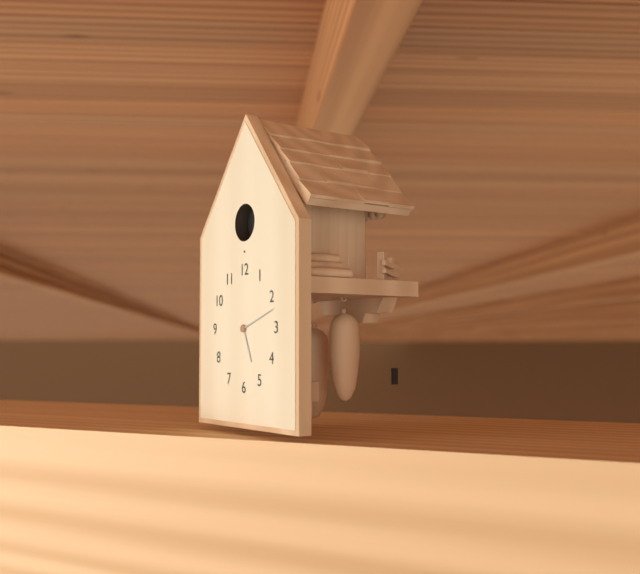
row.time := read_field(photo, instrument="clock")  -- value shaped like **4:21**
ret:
**5:12**
